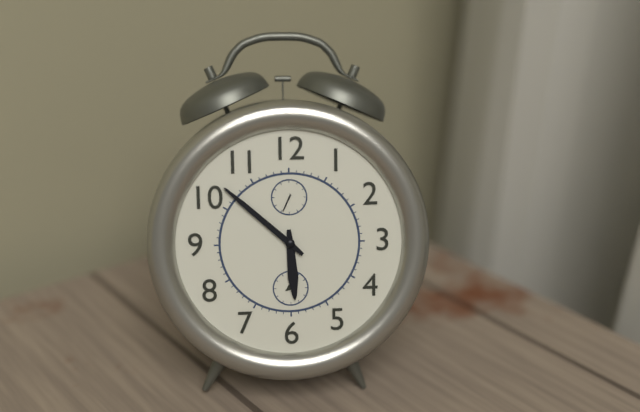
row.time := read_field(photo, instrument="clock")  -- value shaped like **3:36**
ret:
**5:52**
